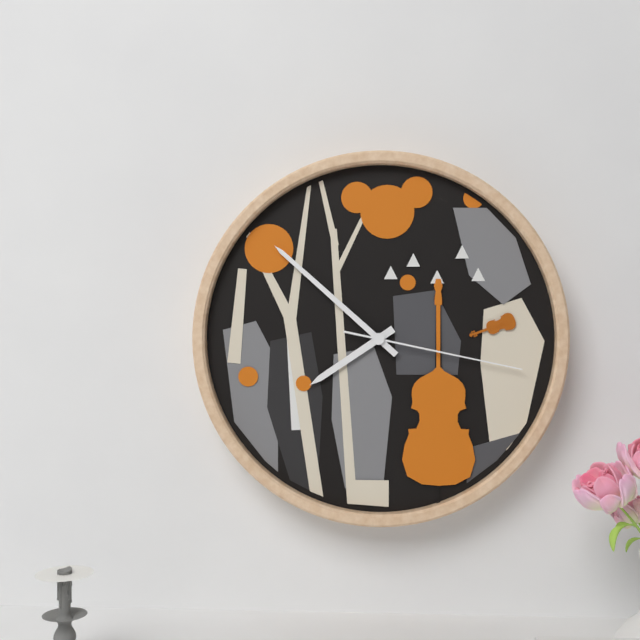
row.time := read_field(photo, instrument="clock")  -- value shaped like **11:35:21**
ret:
**7:52:17**
